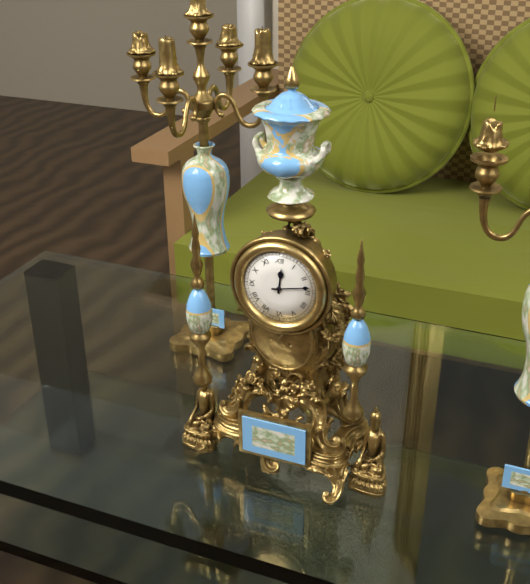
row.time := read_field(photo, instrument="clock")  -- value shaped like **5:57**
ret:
**12:13**
